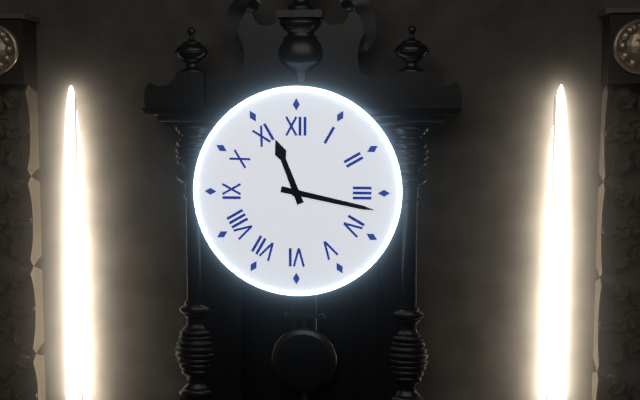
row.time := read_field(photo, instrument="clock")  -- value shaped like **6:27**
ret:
**11:17**
